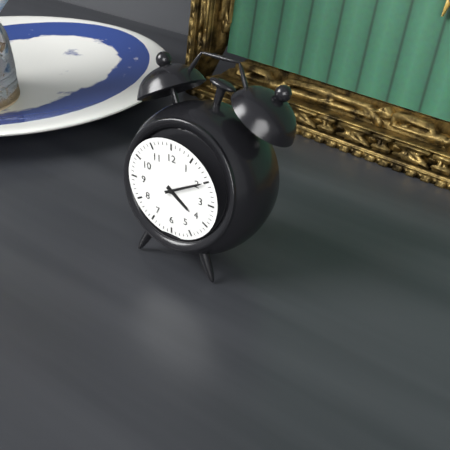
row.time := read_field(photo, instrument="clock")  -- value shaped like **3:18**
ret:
**4:10**
